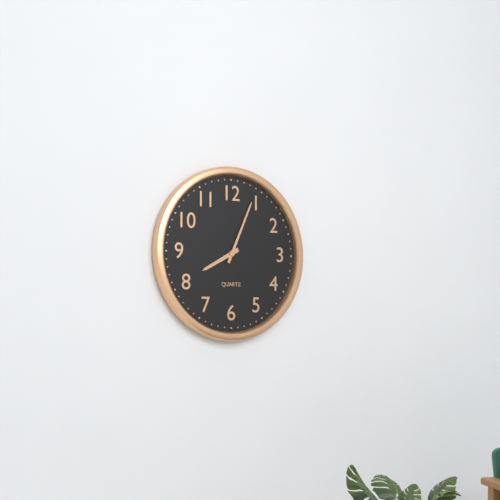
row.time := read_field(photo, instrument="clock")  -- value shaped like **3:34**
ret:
**8:04**
